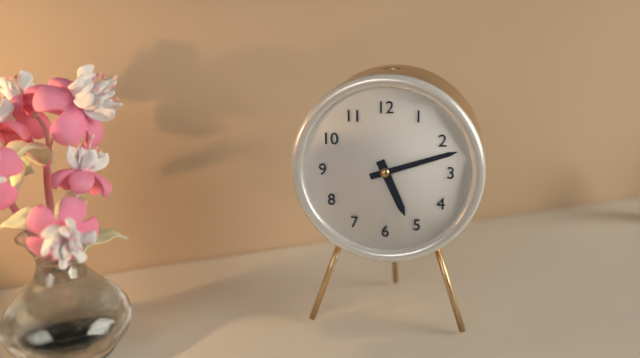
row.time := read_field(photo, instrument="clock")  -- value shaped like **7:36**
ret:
**5:12**
